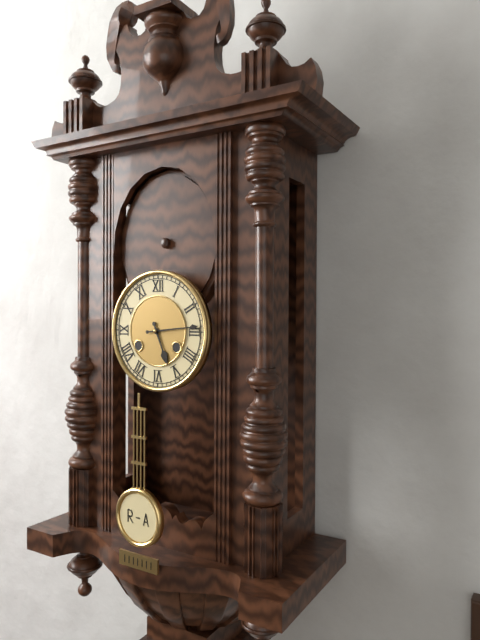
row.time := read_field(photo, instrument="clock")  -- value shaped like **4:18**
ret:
**5:14**
